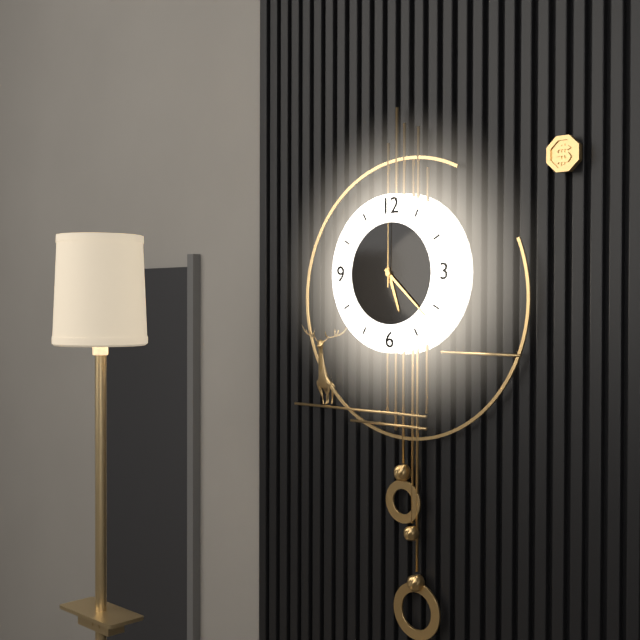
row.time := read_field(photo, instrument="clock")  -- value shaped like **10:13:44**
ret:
**5:22:00**
